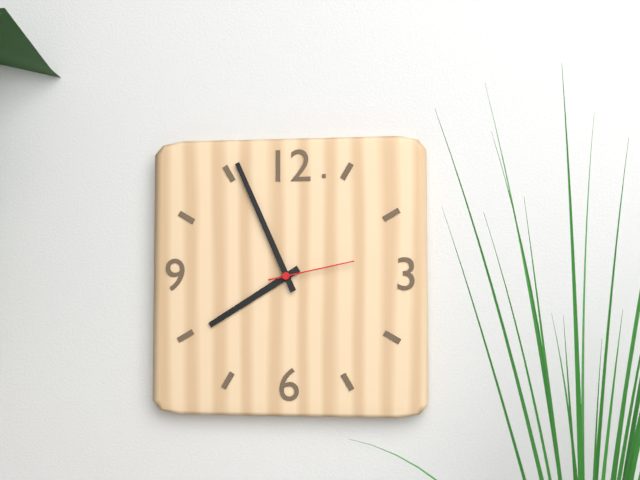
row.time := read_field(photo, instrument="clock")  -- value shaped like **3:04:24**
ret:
**7:56:13**
